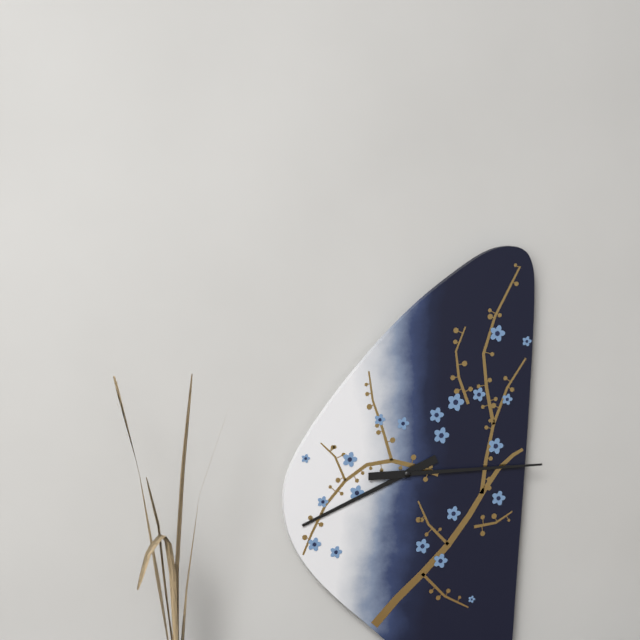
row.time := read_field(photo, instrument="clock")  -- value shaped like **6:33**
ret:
**8:15**
